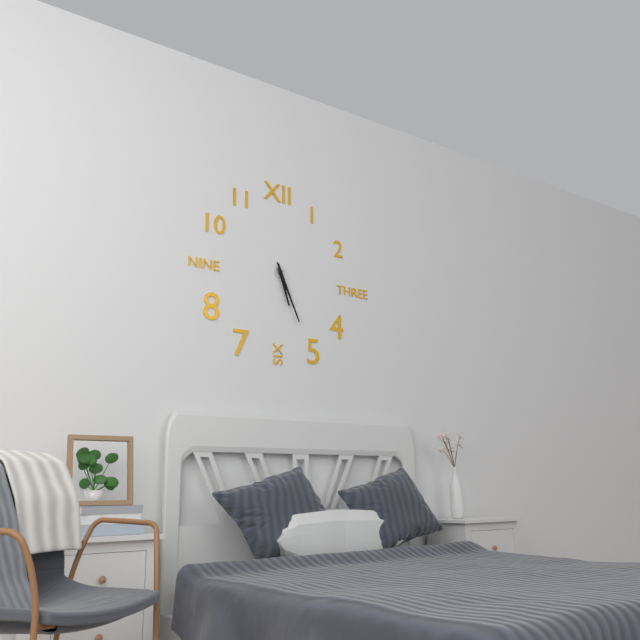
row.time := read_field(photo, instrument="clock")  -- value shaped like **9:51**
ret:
**5:26**
